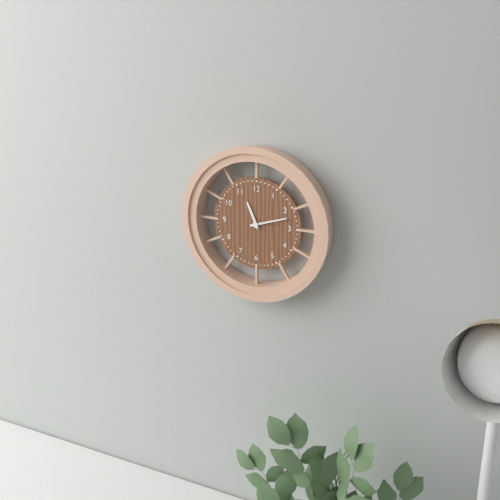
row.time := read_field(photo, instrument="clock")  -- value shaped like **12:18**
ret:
**11:12**
